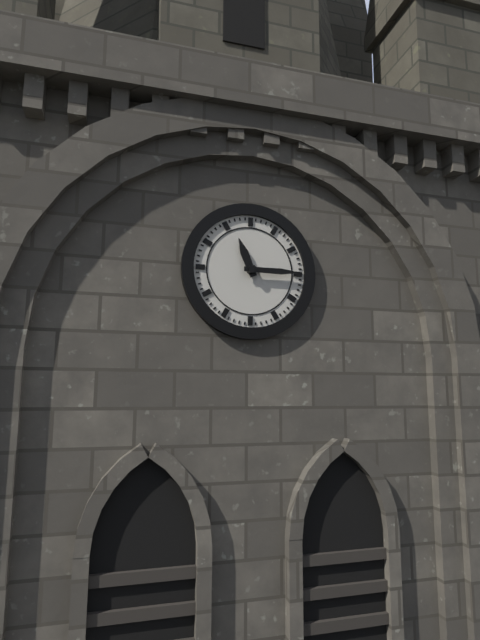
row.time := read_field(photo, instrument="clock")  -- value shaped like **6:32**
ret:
**11:15**
